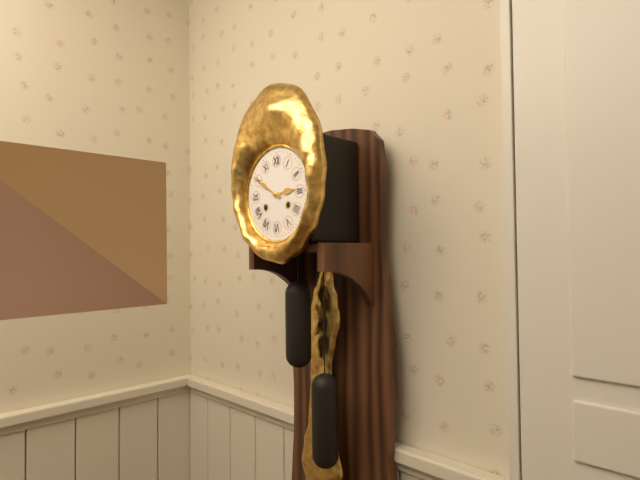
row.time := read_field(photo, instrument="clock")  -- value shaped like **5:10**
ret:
**2:50**
